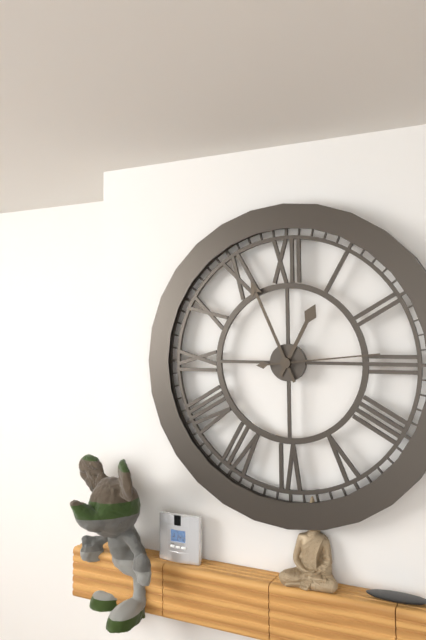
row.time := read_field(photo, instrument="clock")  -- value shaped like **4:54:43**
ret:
**12:56:14**
